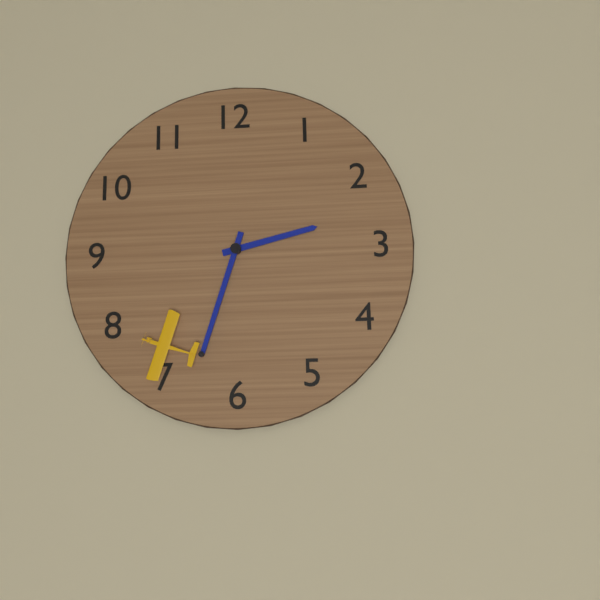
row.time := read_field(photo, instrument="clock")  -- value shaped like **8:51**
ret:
**2:33**
